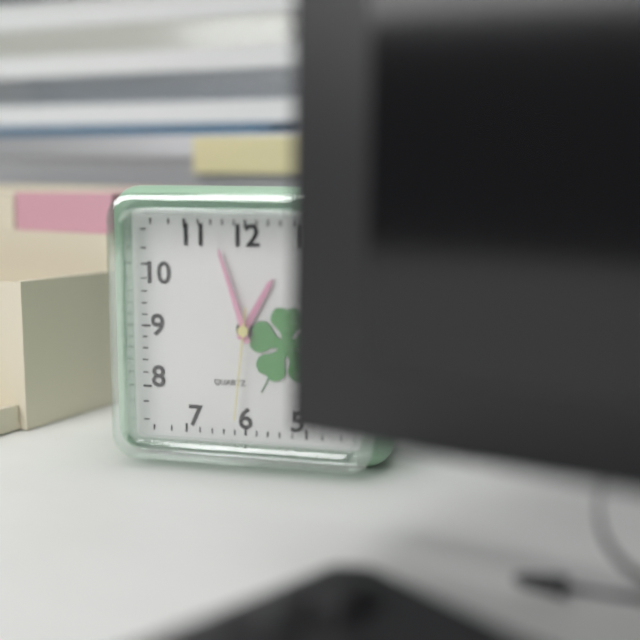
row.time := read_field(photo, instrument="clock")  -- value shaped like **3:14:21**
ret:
**12:57:31**
